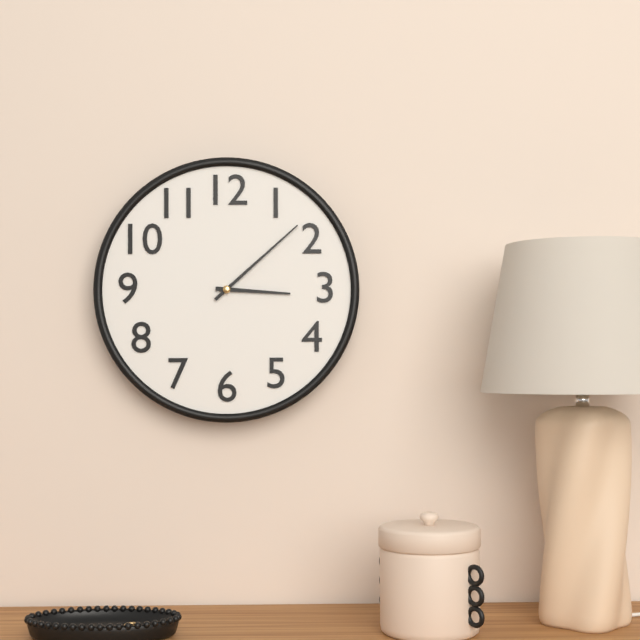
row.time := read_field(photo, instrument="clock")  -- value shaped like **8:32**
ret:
**3:08**
